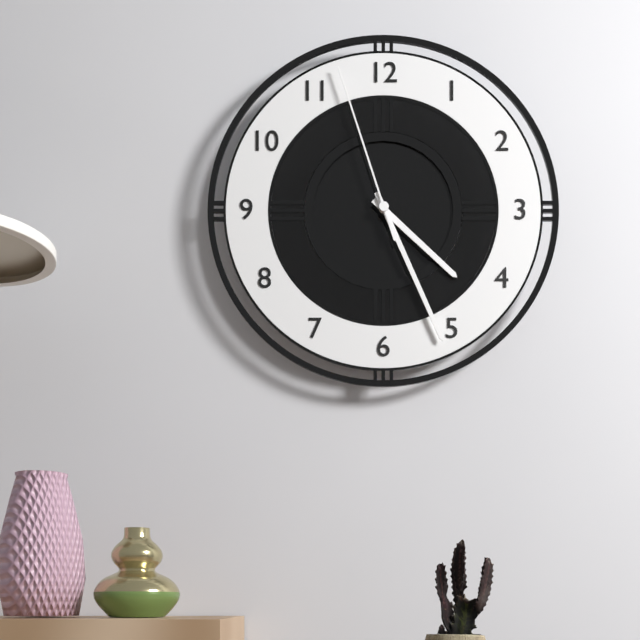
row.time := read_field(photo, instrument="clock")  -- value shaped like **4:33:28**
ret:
**4:26:57**
